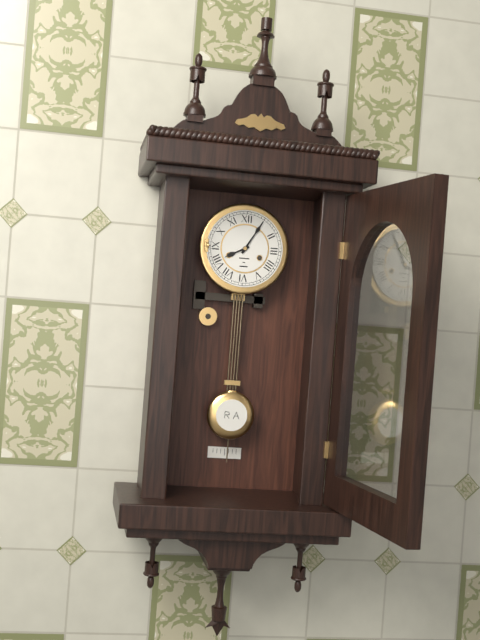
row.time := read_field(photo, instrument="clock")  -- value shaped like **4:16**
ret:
**8:05**
